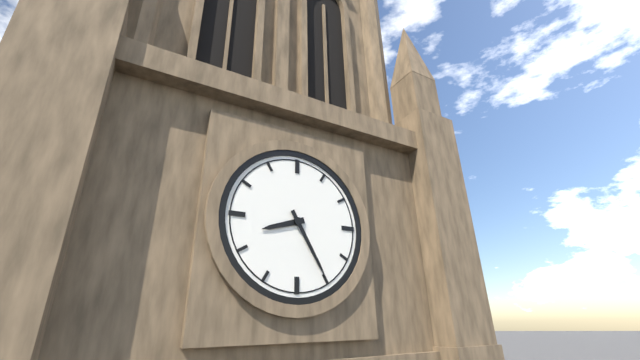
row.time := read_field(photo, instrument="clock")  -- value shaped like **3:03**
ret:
**8:25**
